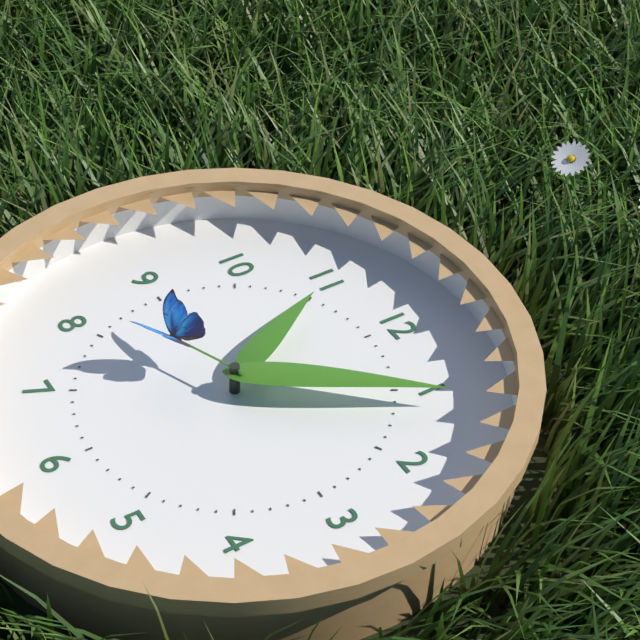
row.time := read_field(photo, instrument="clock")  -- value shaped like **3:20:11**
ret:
**11:06:41**
